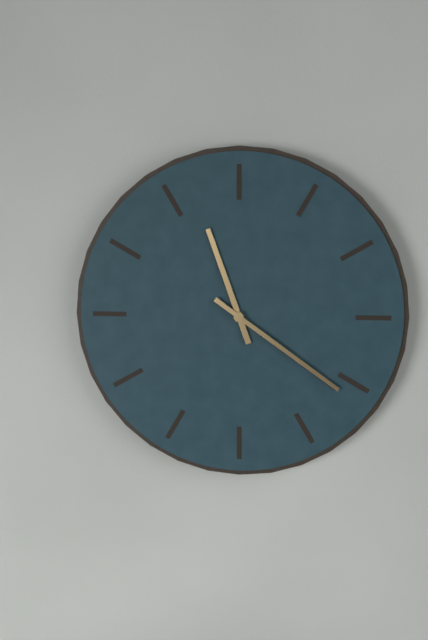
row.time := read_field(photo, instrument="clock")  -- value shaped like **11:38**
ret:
**11:21**
